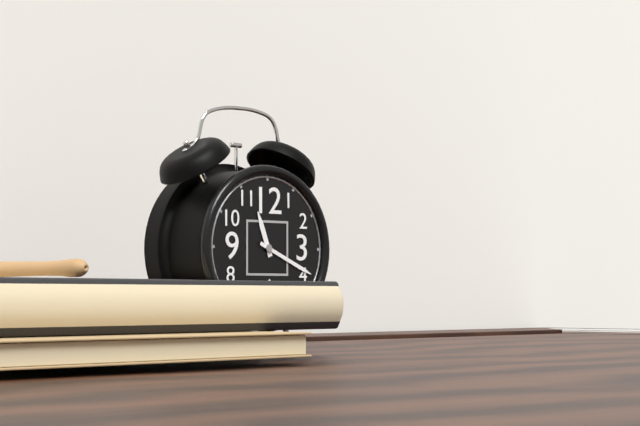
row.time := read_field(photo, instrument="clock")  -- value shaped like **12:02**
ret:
**11:19**
